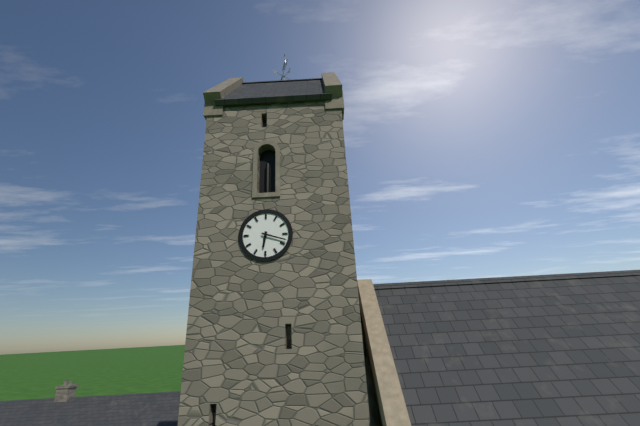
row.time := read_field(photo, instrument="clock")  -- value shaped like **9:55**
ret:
**6:18**
